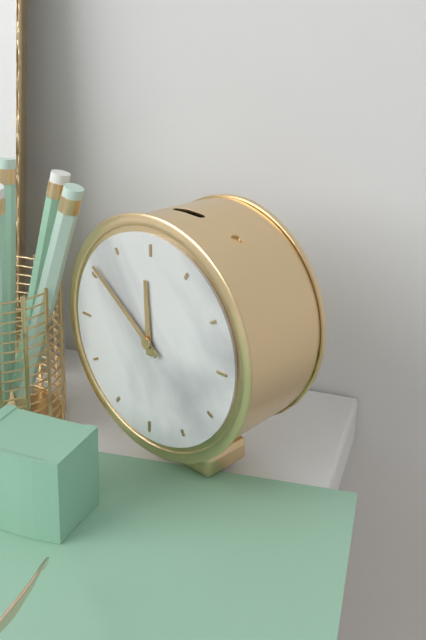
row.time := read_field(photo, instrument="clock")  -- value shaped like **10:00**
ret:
**11:51**
